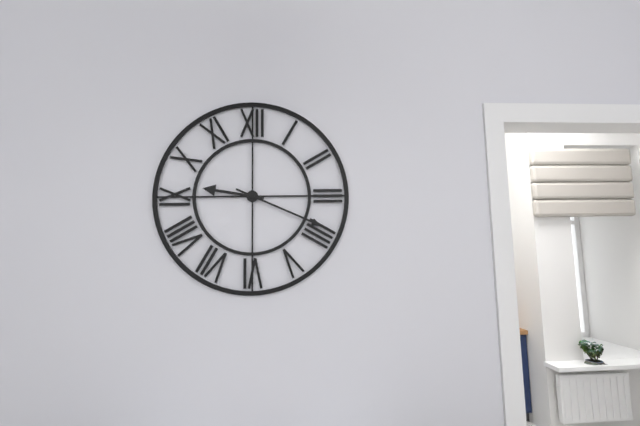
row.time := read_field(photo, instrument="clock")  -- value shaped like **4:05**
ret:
**9:19**
